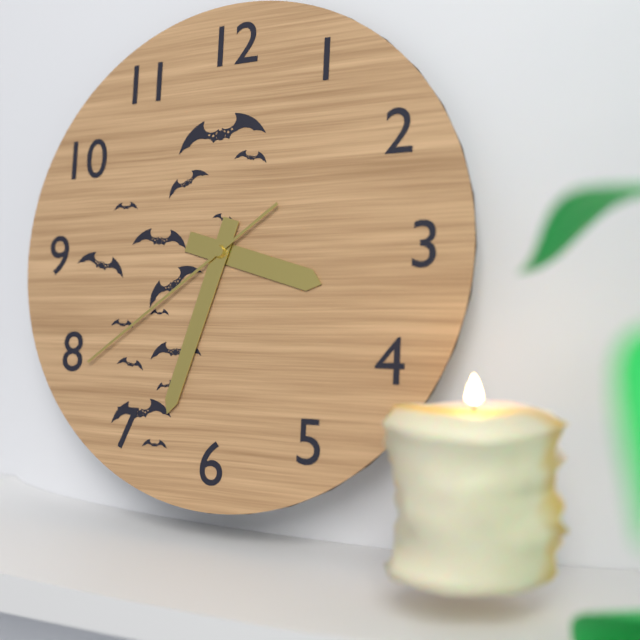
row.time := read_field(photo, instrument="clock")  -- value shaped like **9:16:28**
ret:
**3:33:39**
